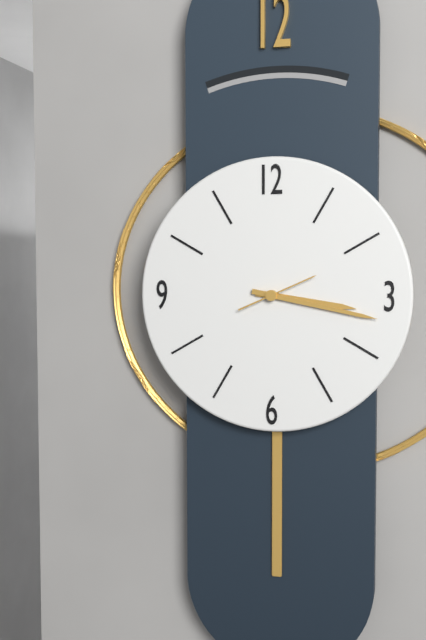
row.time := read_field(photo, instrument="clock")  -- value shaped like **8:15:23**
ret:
**3:17:11**
